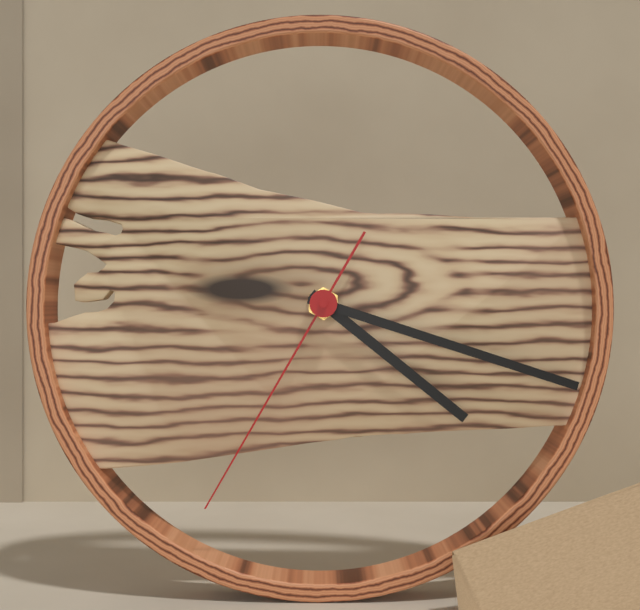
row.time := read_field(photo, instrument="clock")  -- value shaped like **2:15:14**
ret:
**4:18:35**
